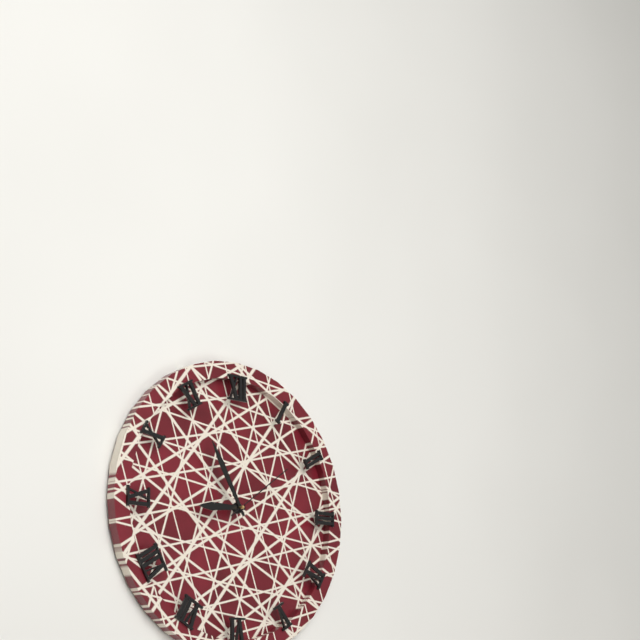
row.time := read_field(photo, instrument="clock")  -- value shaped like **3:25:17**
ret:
**8:55:09**
